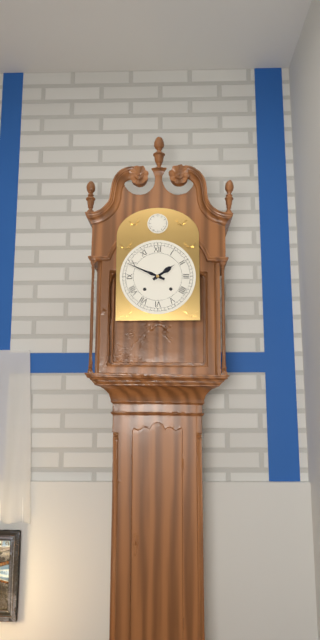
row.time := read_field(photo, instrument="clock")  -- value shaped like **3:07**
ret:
**1:49**
